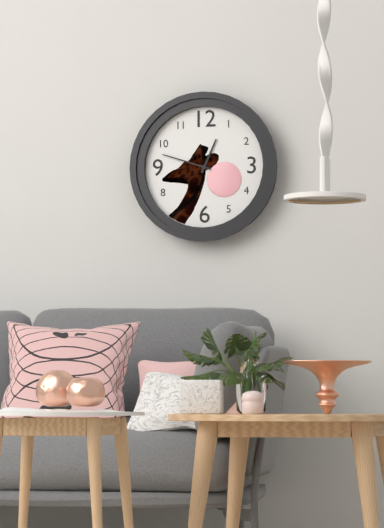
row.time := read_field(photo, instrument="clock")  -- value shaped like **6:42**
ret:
**12:48**
